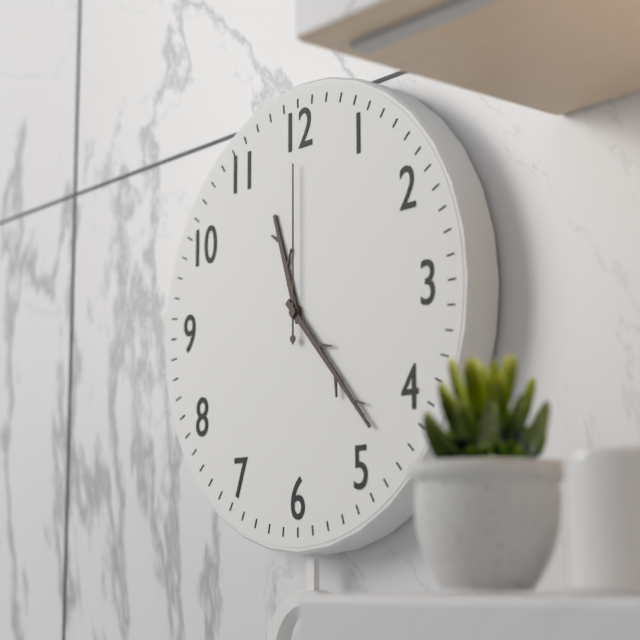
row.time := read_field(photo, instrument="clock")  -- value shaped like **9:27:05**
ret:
**11:23:00**
